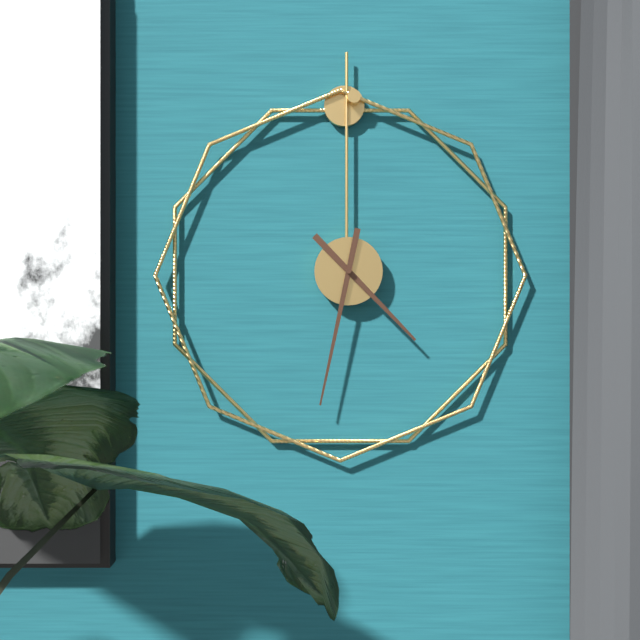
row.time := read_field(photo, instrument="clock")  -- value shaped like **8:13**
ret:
**4:32**
